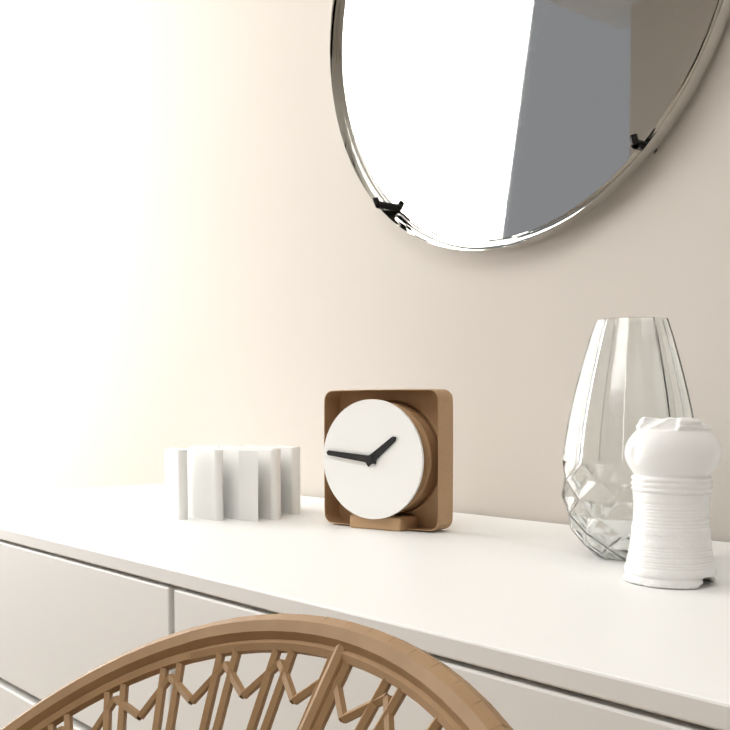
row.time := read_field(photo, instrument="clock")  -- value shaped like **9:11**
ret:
**1:46**
